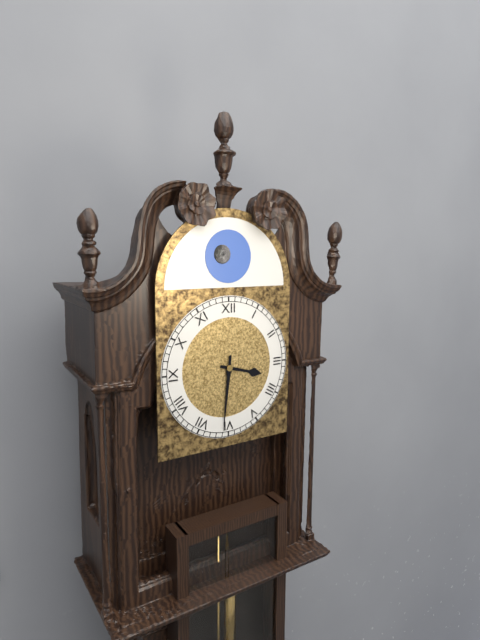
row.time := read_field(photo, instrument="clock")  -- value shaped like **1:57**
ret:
**3:31**
